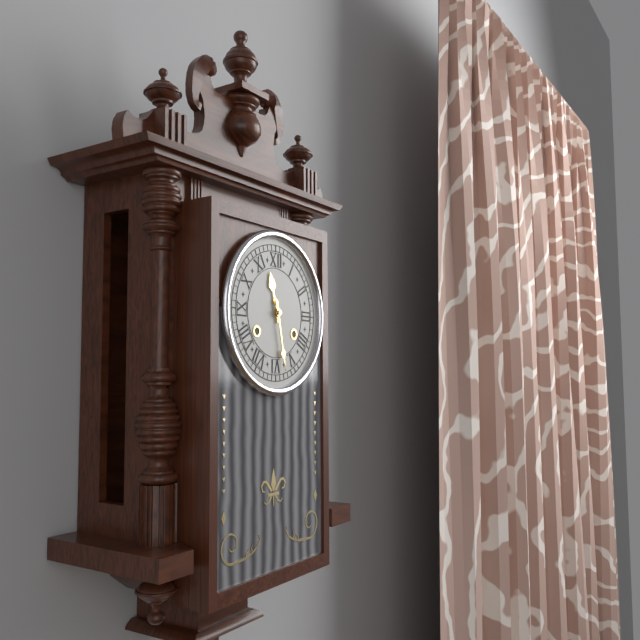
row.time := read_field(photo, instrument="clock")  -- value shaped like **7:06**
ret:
**11:28**
